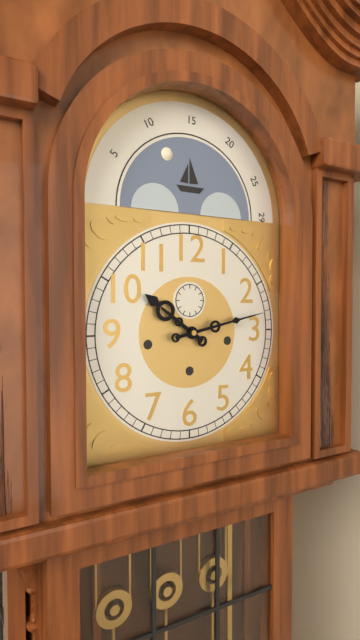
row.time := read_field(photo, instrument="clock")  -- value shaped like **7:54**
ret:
**10:13**
